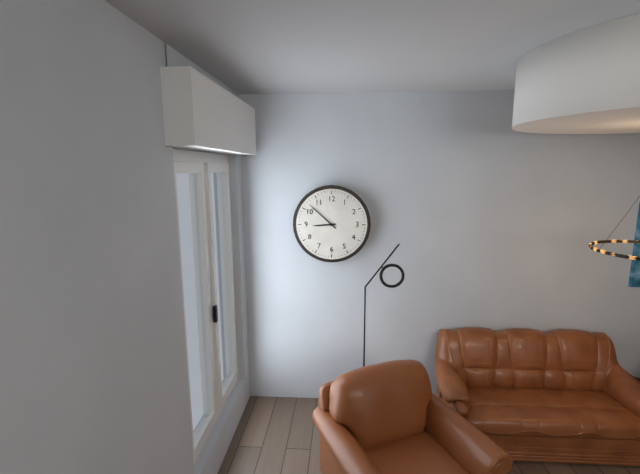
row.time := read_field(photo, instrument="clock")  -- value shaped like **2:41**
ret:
**8:52**
